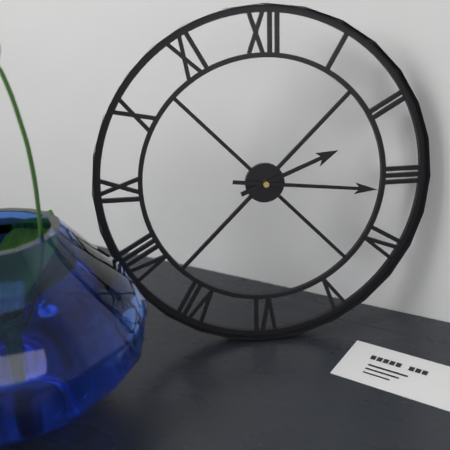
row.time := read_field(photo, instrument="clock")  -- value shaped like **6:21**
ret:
**2:16**
